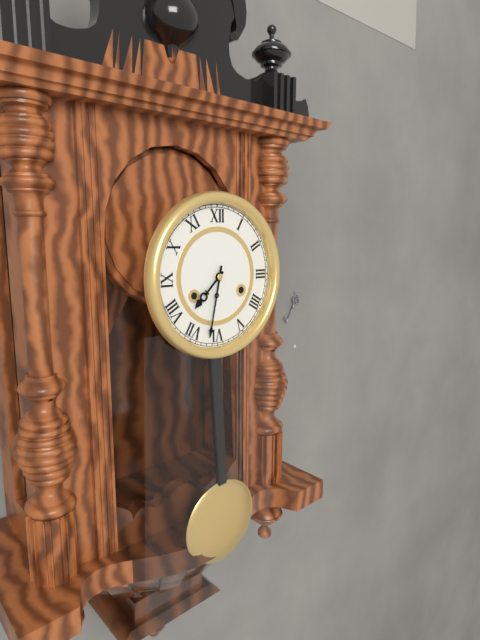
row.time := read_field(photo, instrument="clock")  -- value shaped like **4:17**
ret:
**7:32**
